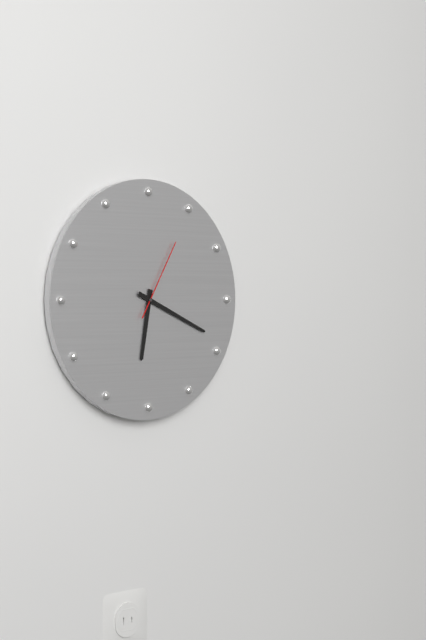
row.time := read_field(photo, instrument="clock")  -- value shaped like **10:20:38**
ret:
**6:19:05**
